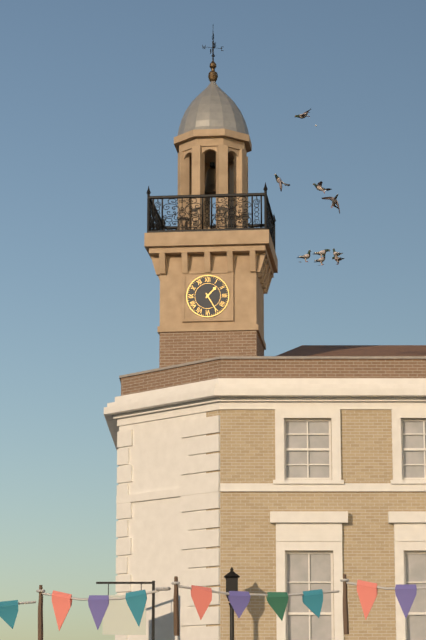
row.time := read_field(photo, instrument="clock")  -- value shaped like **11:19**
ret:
**1:25**
